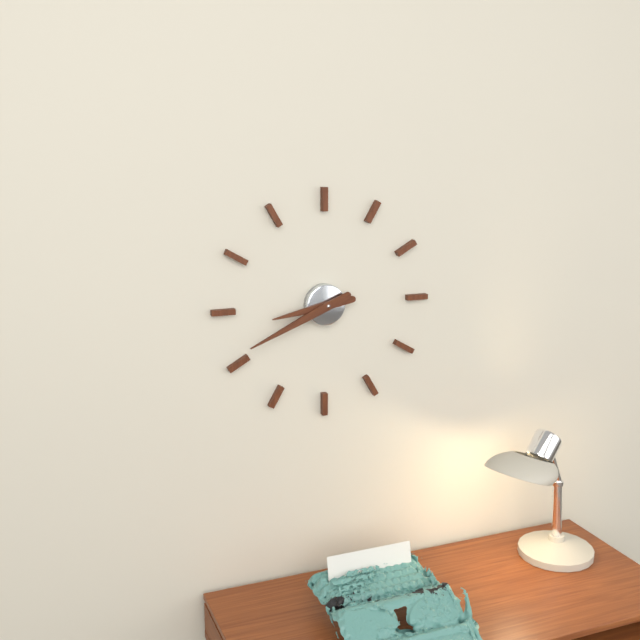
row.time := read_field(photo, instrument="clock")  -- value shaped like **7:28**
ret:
**8:41**
